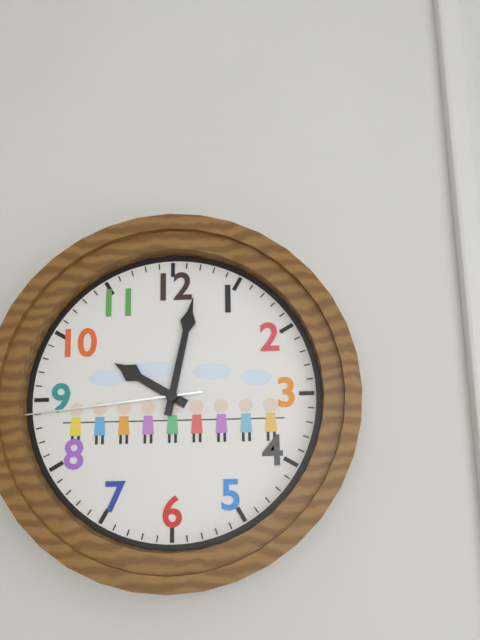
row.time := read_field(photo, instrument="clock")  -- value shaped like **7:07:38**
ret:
**10:02:44**
